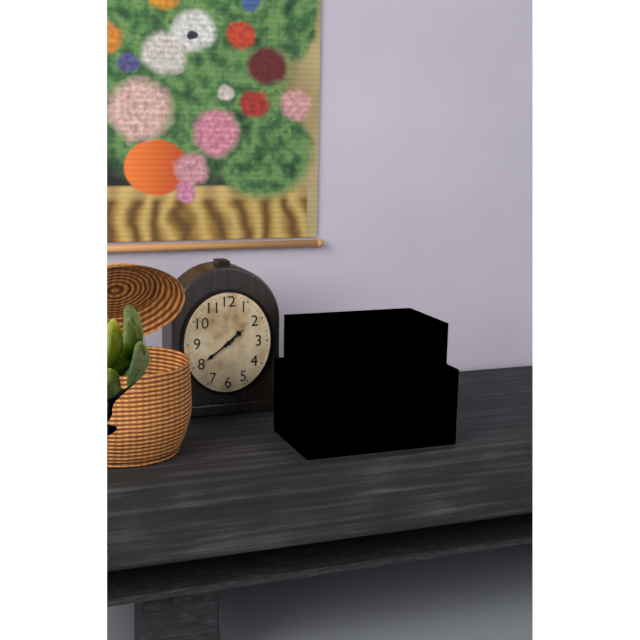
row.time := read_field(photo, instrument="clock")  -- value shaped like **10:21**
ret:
**1:39**
